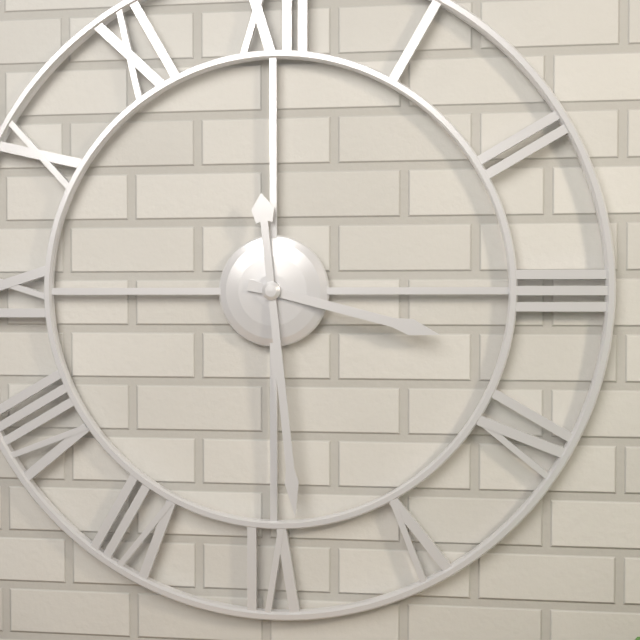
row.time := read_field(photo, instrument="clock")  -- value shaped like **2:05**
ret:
**3:29**
